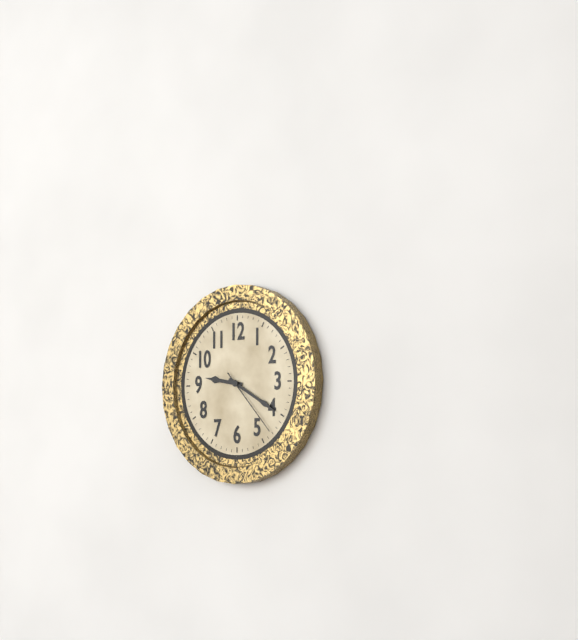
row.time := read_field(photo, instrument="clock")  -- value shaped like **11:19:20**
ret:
**9:20:23**
